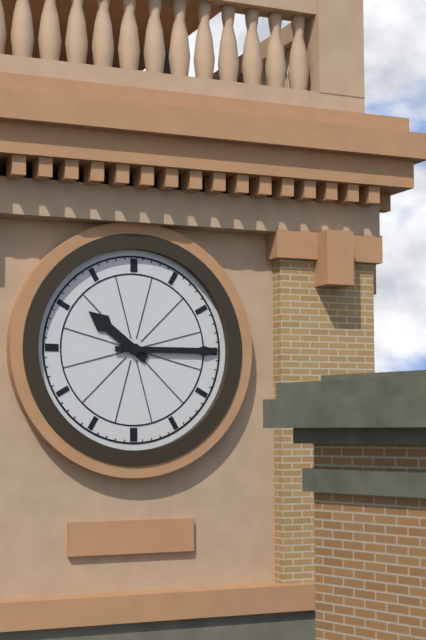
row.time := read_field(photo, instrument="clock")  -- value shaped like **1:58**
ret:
**10:15**
